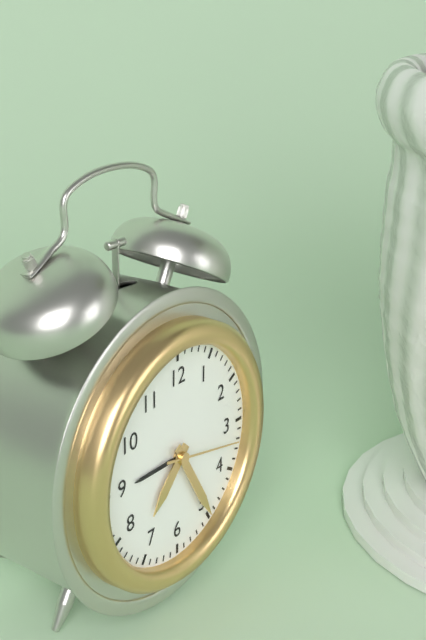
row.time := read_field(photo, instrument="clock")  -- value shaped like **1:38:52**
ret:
**7:25:17**
